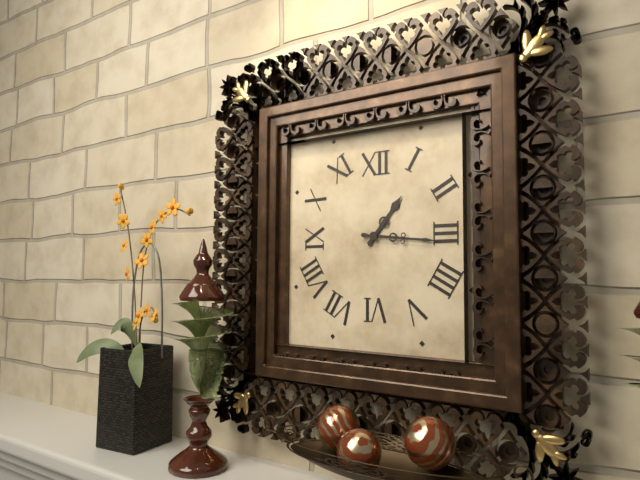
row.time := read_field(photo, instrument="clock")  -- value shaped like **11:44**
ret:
**1:16**
